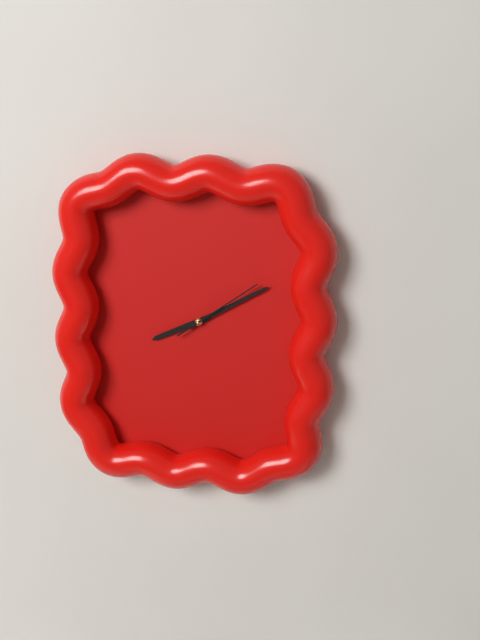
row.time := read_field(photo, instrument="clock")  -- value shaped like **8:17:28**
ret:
**8:10:09**
